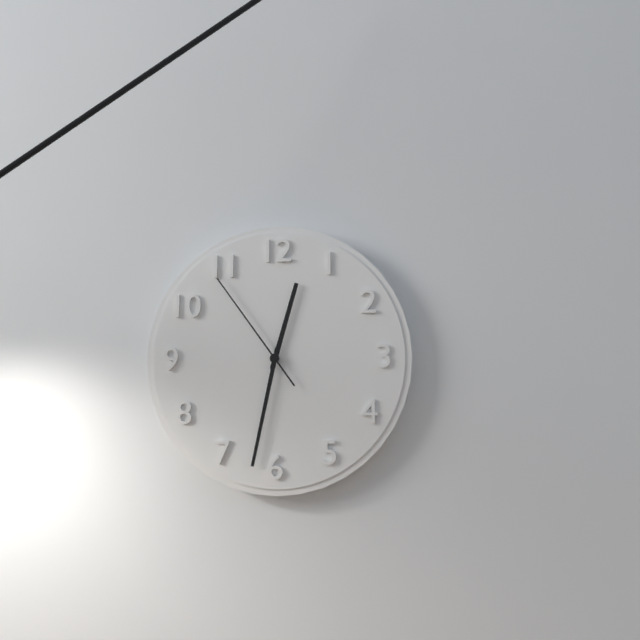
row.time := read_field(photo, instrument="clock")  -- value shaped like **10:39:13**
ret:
**12:32:54**
